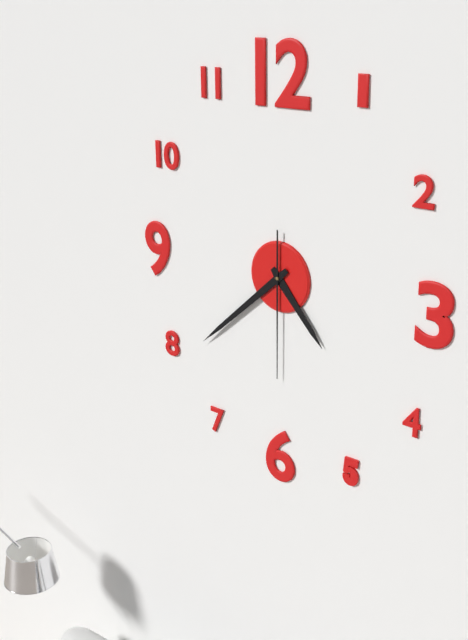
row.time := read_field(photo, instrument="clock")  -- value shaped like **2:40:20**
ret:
**4:38:30**
